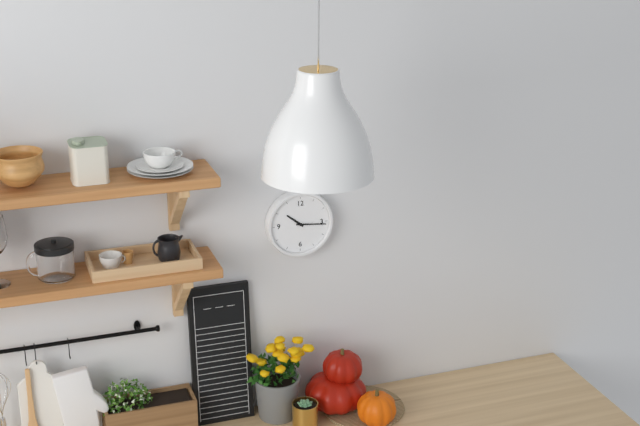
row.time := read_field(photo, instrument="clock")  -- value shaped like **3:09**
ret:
**10:16**
